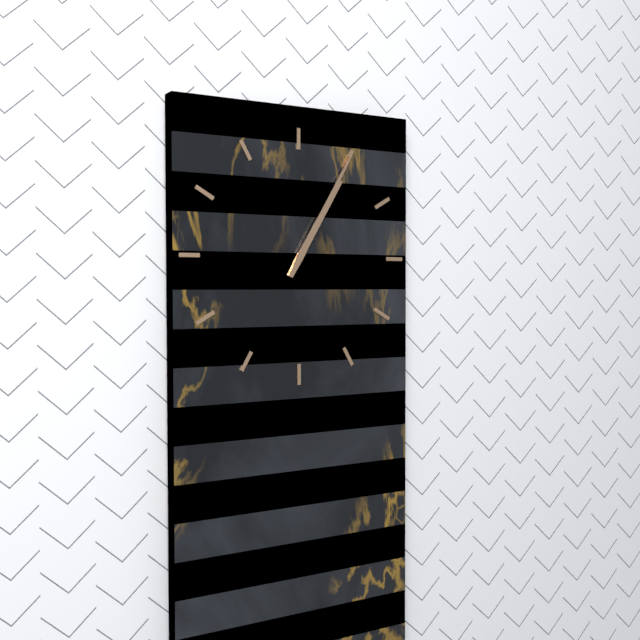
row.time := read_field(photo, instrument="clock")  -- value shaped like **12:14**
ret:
**1:05**
